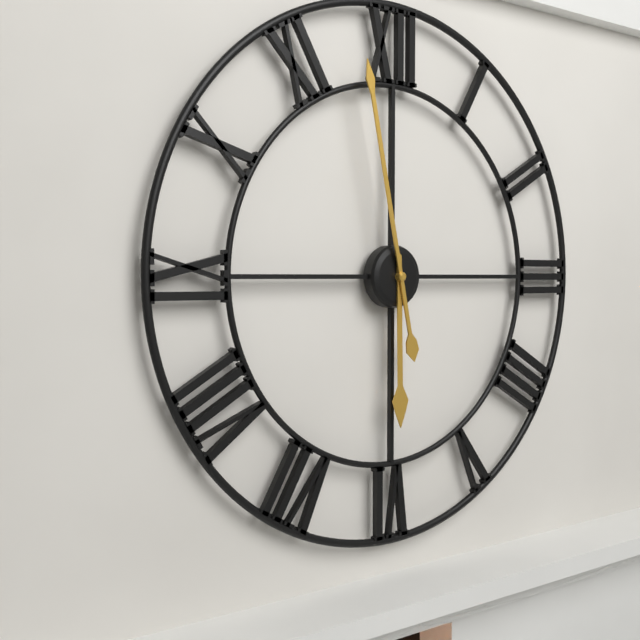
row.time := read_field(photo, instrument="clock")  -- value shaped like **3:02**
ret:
**5:58**
